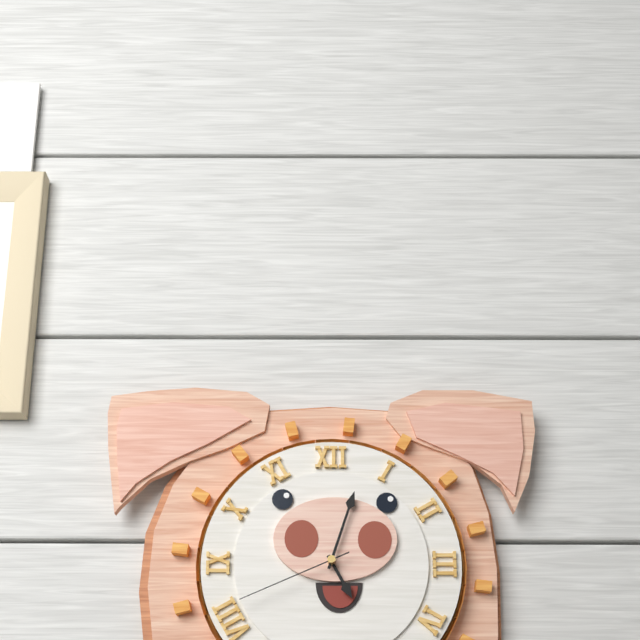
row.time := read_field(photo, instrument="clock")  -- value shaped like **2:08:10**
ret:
**5:03:41**
